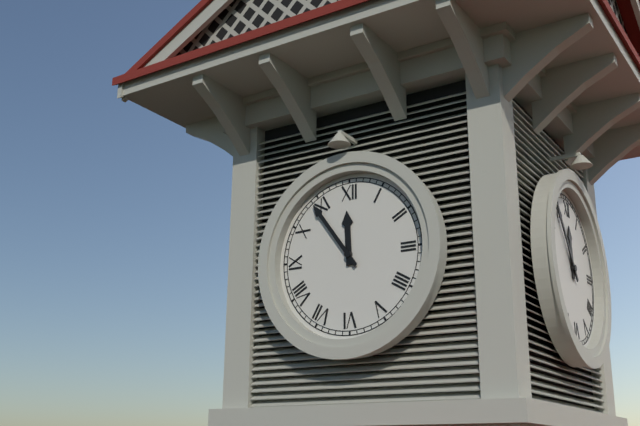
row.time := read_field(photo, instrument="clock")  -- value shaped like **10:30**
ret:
**11:54**
